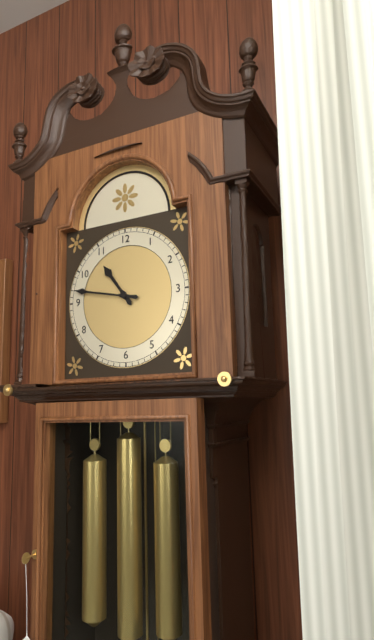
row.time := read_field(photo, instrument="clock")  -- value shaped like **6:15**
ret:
**10:47**
